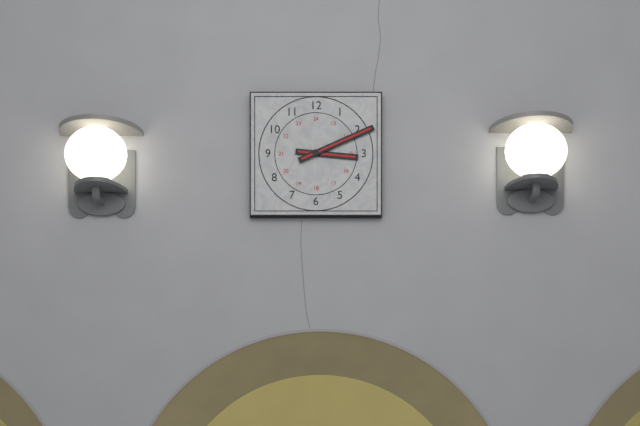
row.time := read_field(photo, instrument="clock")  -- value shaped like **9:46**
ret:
**3:11**
